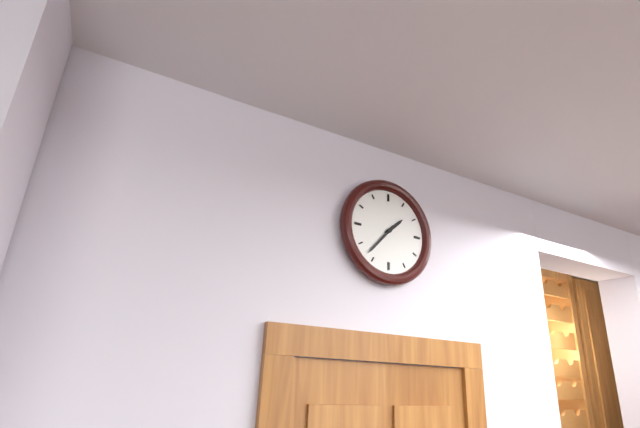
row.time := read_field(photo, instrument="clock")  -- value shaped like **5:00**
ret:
**1:37**
